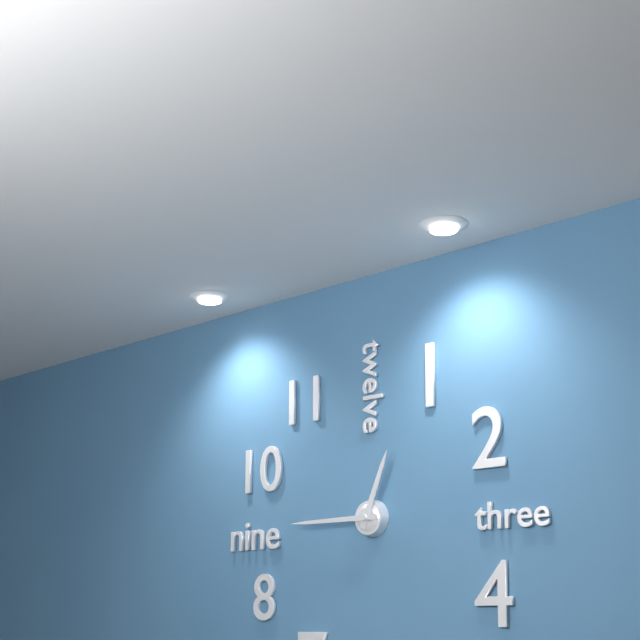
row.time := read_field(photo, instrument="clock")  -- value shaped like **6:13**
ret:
**12:45**
